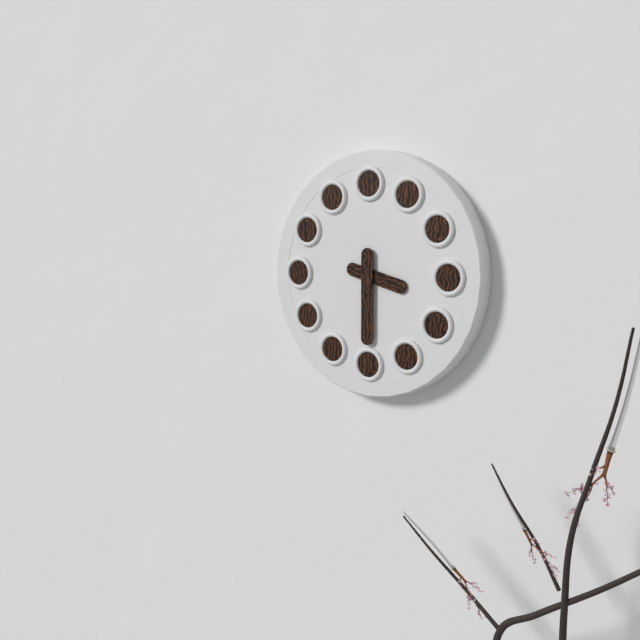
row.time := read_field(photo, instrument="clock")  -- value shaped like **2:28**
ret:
**3:30**
